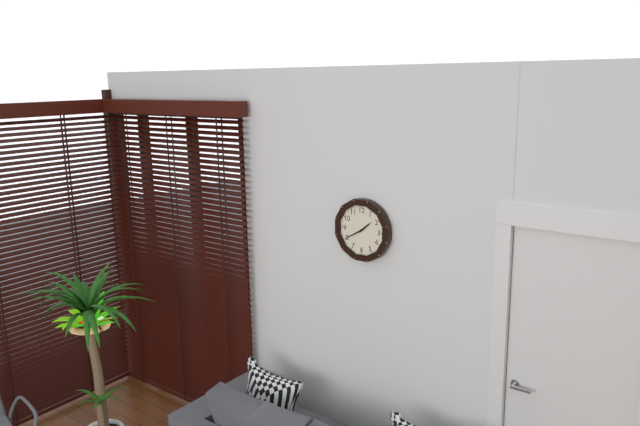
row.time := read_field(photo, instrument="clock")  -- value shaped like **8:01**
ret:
**1:40**
